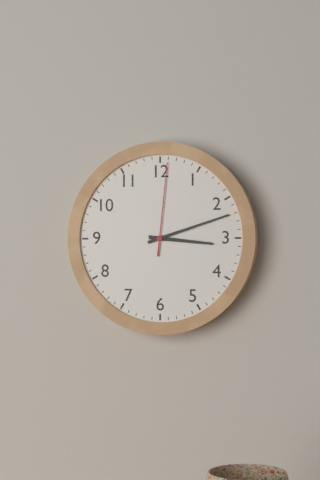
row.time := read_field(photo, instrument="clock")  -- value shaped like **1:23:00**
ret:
**3:12:01**
